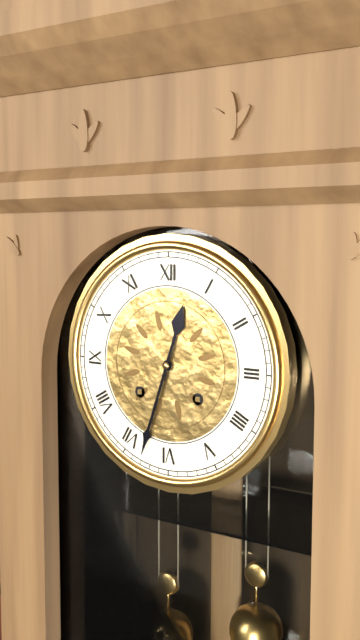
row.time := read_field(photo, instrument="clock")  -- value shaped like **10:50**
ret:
**12:33**
